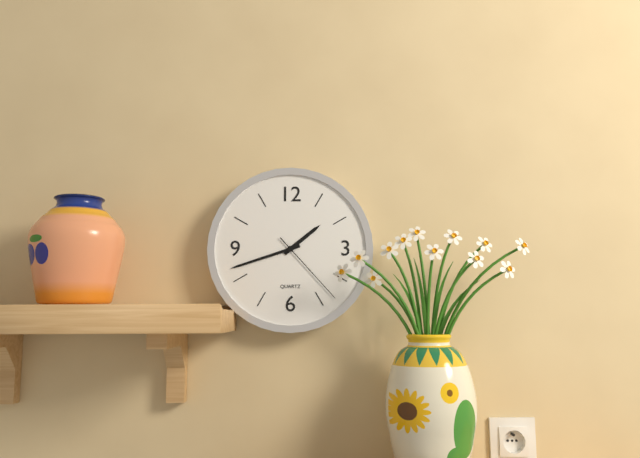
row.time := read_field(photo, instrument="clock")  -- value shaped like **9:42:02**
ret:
**1:42:23**
